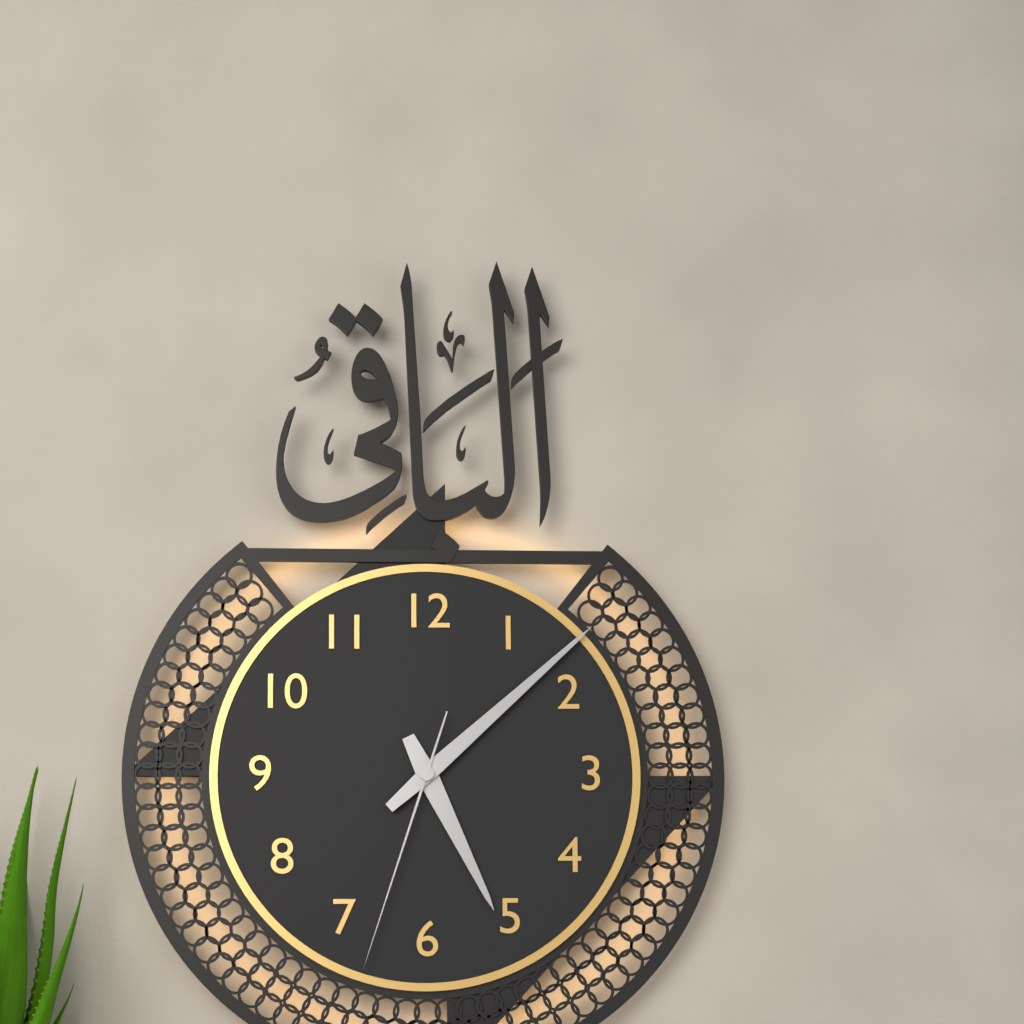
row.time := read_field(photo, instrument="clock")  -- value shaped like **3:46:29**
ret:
**5:08:33**
